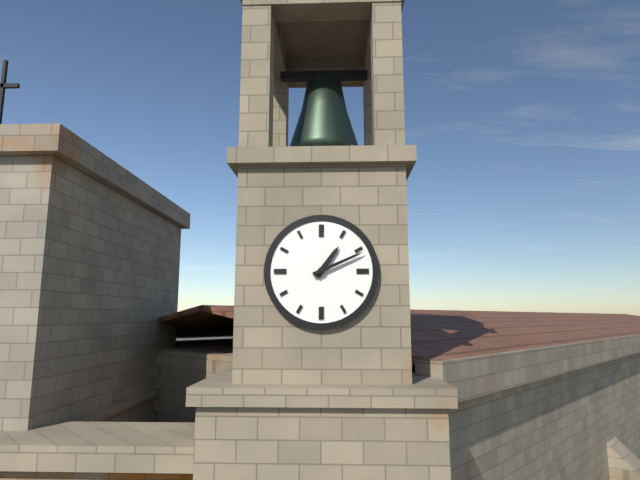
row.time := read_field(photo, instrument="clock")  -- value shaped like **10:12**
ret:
**1:11**
